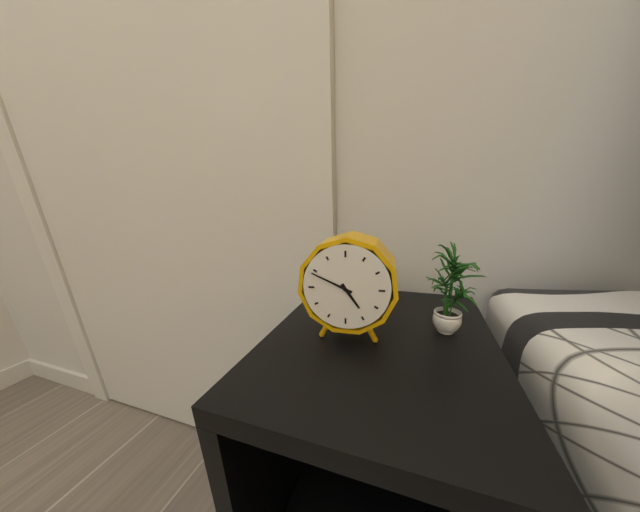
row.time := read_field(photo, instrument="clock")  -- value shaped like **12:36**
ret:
**4:49**
